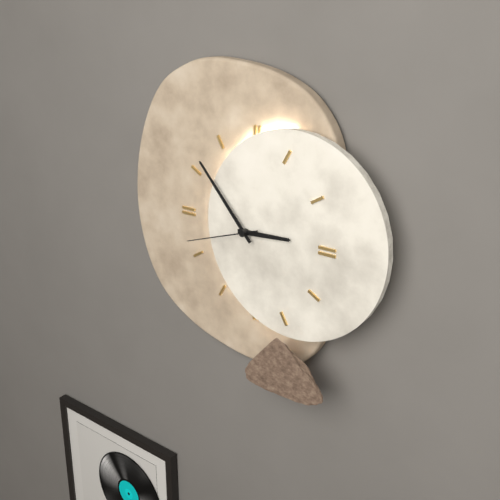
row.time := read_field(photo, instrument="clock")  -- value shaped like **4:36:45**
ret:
**2:53:42**
